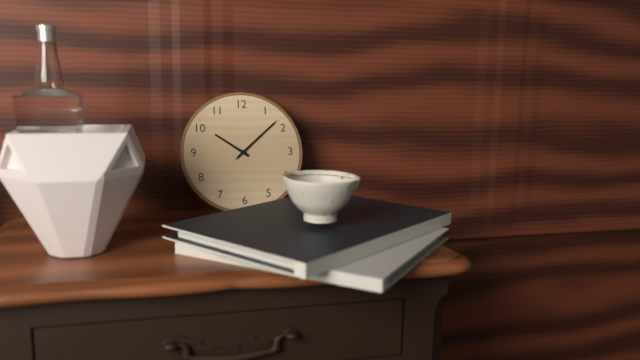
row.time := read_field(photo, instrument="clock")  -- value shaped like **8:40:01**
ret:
**10:08:08**
